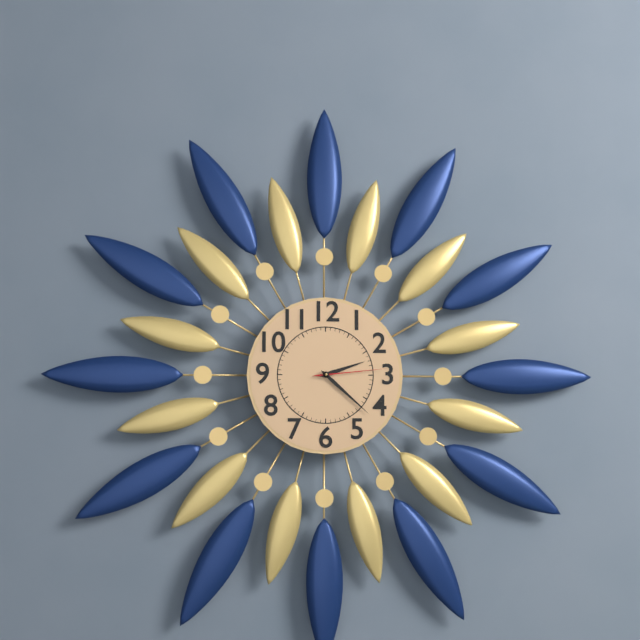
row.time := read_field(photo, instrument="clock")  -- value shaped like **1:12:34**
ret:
**2:22:14**
